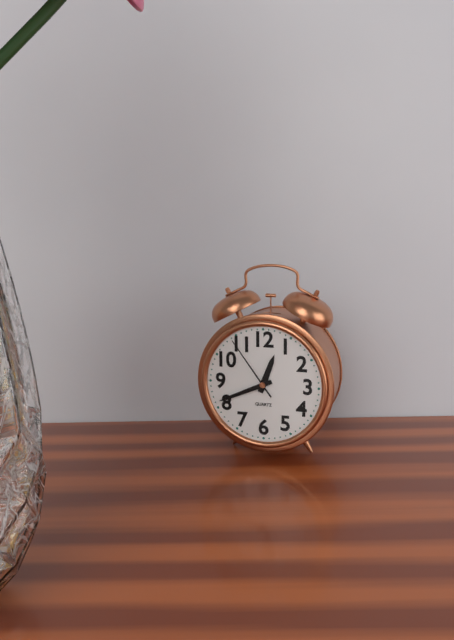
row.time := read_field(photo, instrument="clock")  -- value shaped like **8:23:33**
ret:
**12:41:54**
